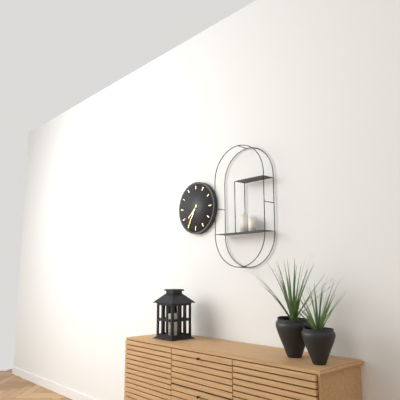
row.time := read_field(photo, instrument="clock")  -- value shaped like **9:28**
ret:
**7:35**
